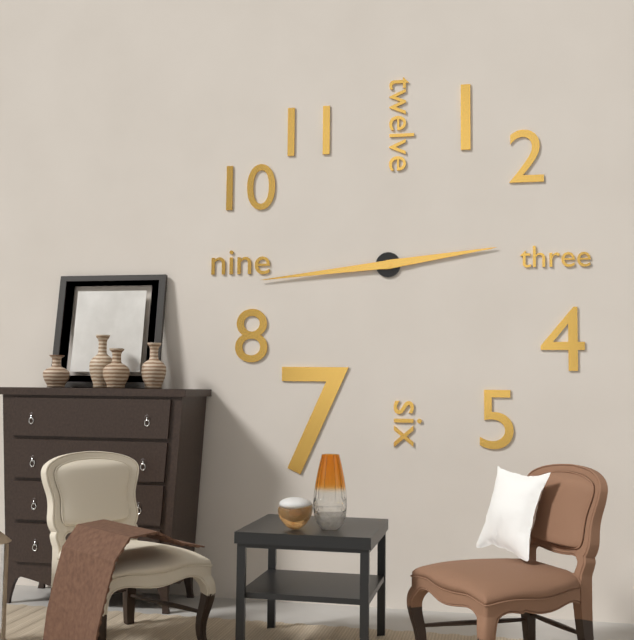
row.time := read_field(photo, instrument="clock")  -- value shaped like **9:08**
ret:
**2:44**
